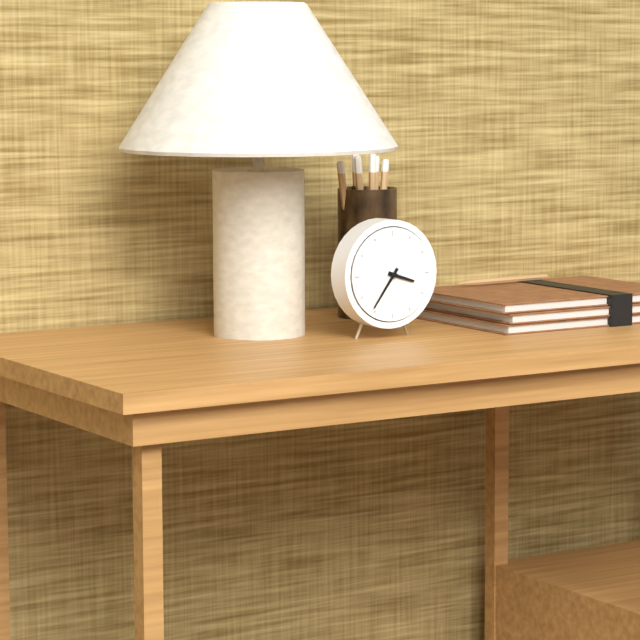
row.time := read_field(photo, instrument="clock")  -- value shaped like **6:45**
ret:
**3:36**
